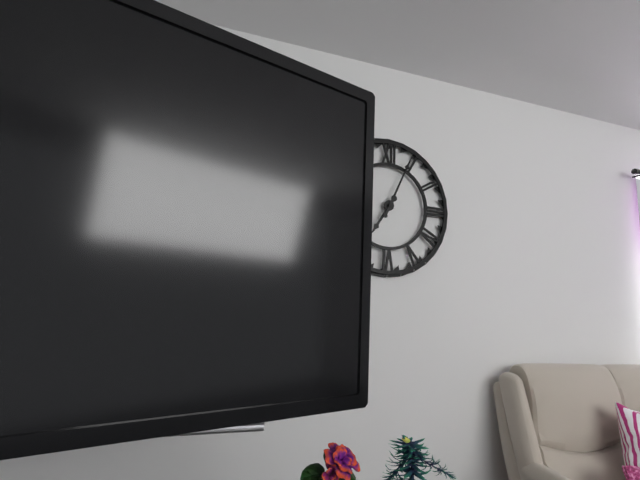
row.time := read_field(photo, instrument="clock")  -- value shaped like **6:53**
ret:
**7:04**
